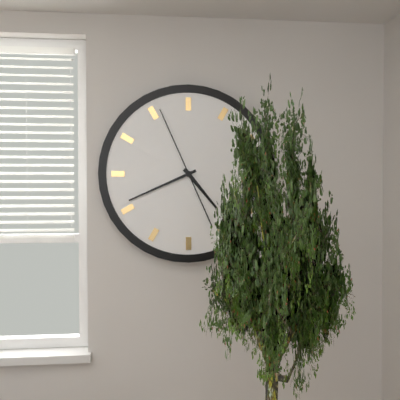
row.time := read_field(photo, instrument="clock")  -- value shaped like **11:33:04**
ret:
**4:41:56**
